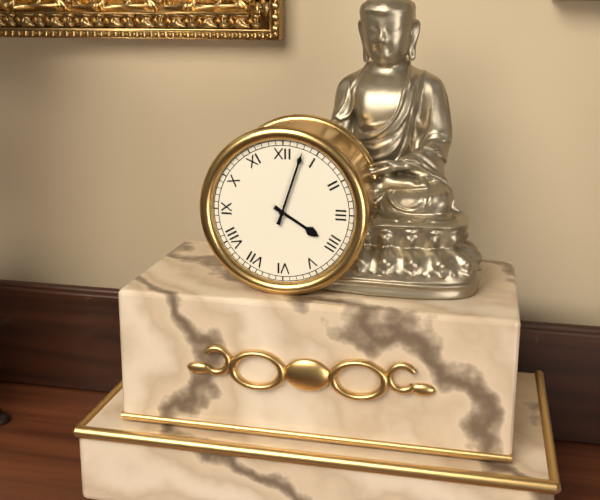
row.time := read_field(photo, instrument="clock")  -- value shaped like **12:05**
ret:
**4:03**
